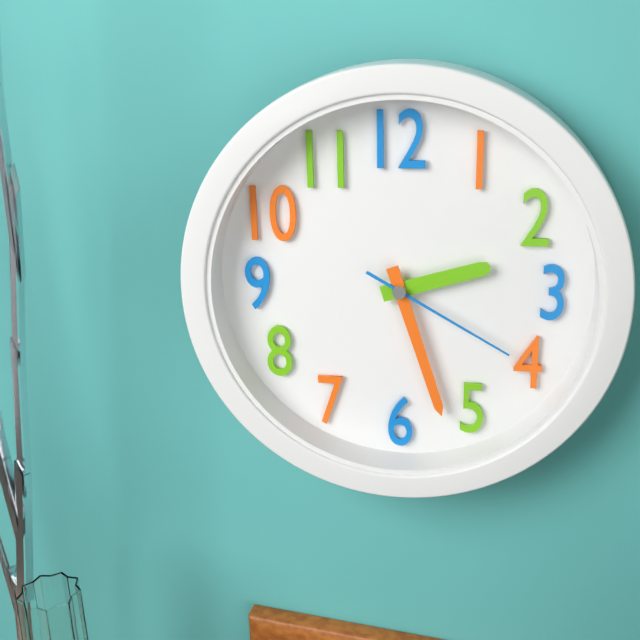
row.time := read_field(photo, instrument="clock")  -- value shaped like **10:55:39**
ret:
**2:27:20**
